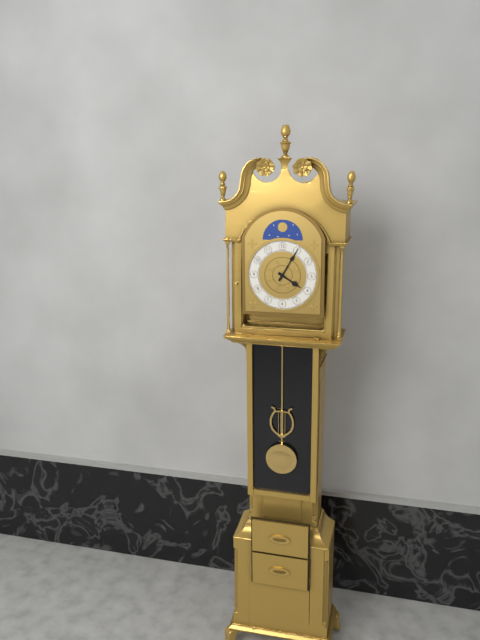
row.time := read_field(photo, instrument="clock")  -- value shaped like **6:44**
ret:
**4:05**
